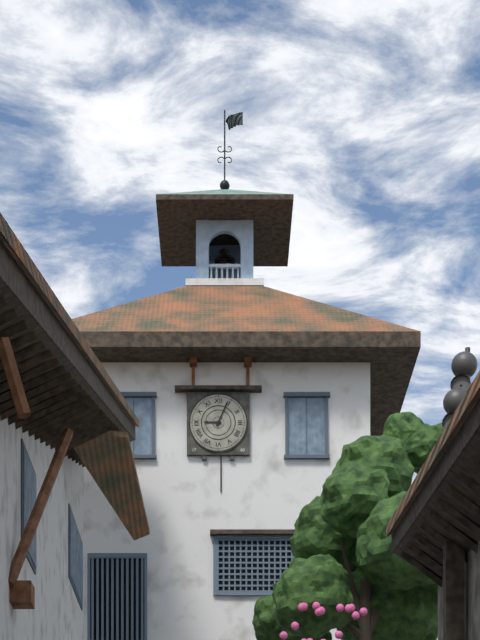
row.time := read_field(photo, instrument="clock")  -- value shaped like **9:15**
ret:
**9:04**
